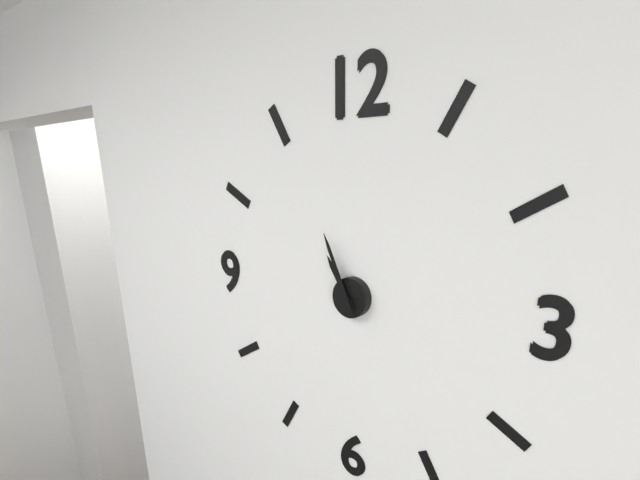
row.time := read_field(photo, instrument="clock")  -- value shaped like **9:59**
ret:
**10:56**
